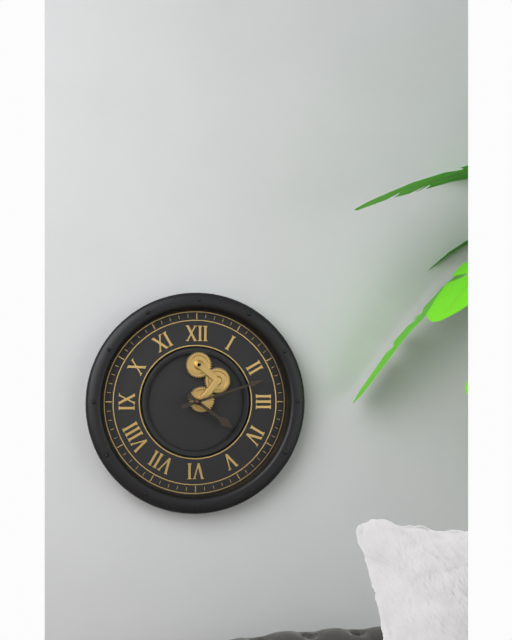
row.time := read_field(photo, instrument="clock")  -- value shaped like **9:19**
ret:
**4:12**
